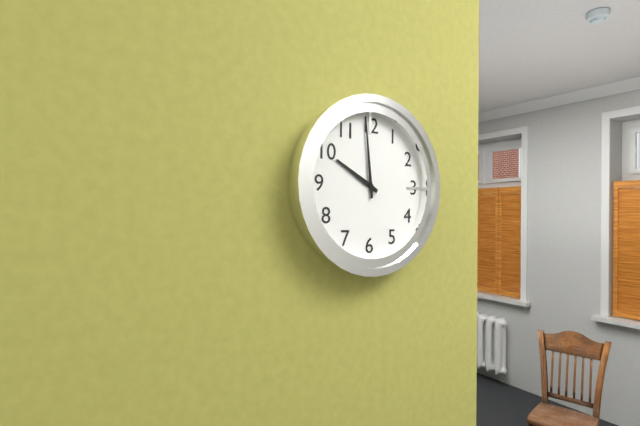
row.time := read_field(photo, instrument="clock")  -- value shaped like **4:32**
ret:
**9:59**
